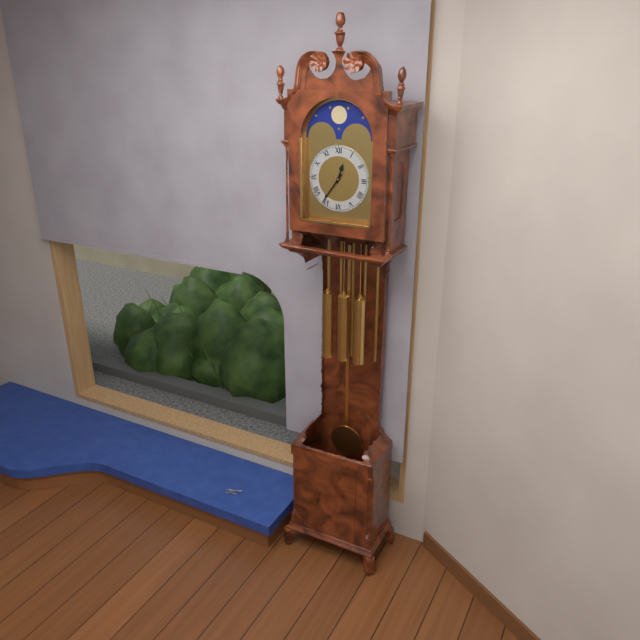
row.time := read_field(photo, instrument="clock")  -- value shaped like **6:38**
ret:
**12:36**
